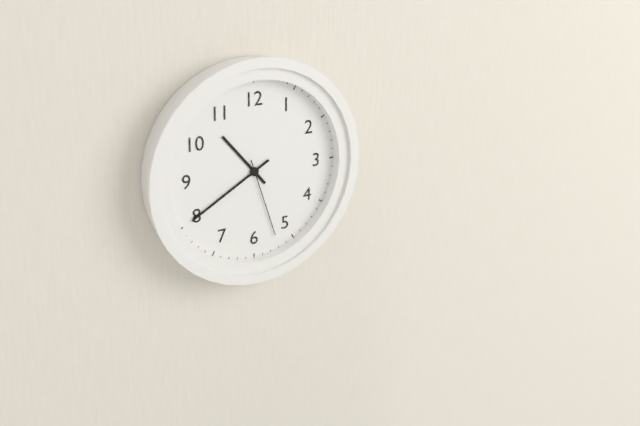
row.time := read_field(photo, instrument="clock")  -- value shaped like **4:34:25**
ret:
**10:40:27**
